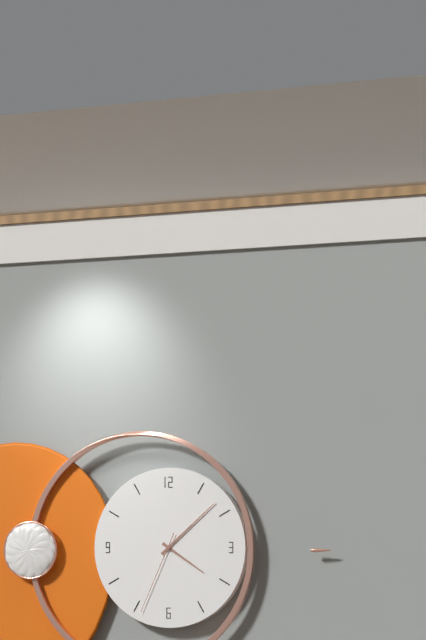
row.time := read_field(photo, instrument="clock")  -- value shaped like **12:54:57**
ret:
**4:08:34**
